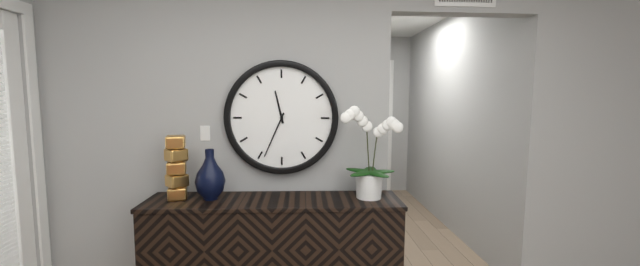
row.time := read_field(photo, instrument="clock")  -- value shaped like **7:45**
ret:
**11:34**
